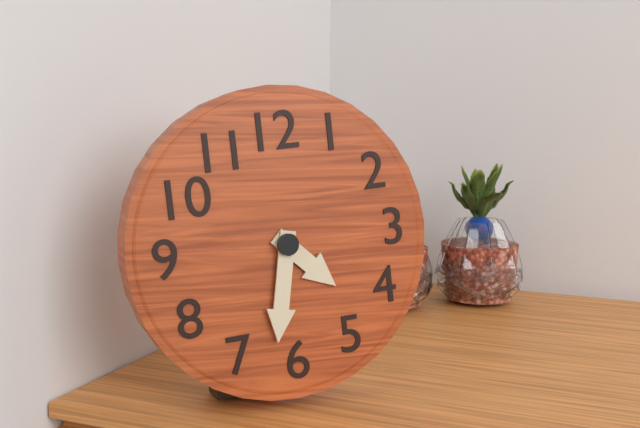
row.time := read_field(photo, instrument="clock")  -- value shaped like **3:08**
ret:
**4:32**
